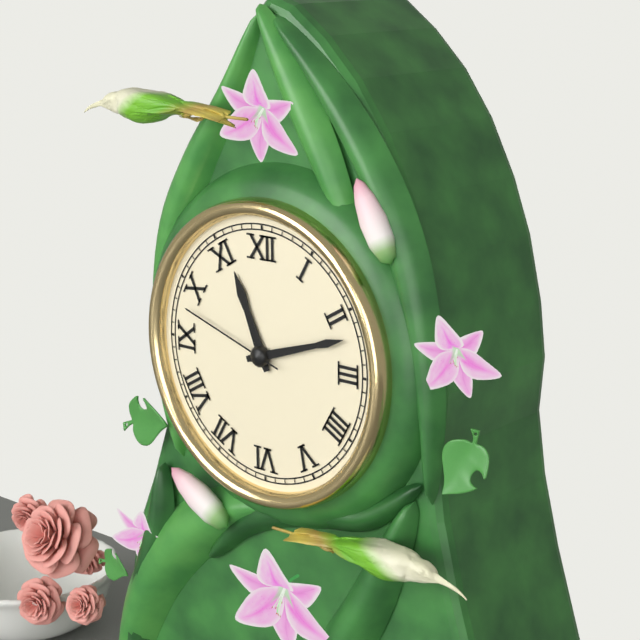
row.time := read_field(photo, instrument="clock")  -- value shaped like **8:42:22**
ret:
**11:12:48**
